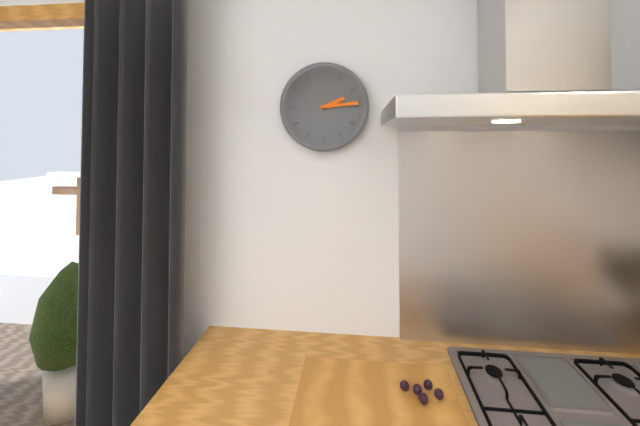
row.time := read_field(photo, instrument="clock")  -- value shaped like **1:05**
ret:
**2:14**
